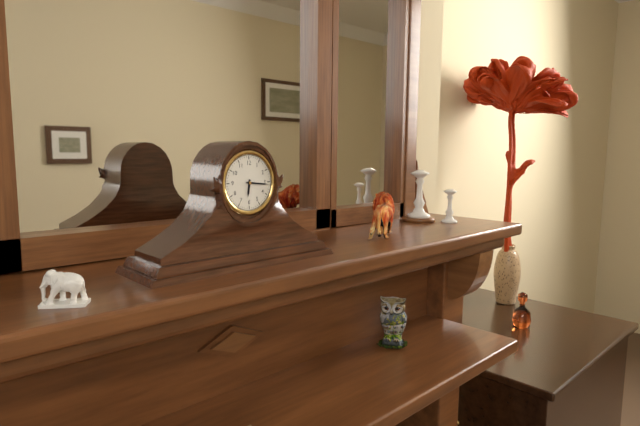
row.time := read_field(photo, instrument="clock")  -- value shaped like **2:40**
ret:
**6:16**
